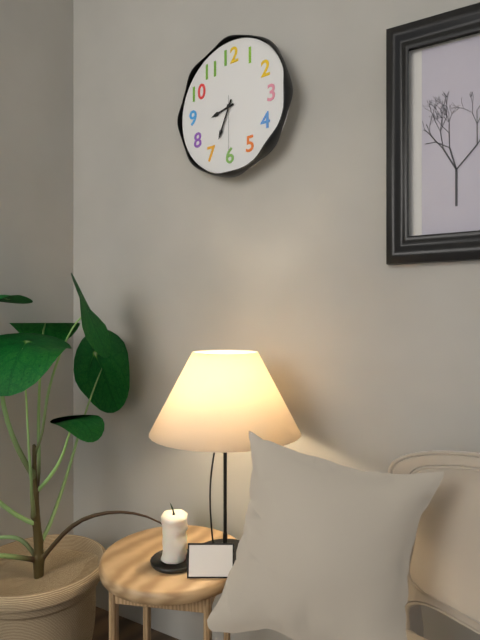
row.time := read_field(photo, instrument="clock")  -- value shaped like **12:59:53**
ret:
**8:34:30**
